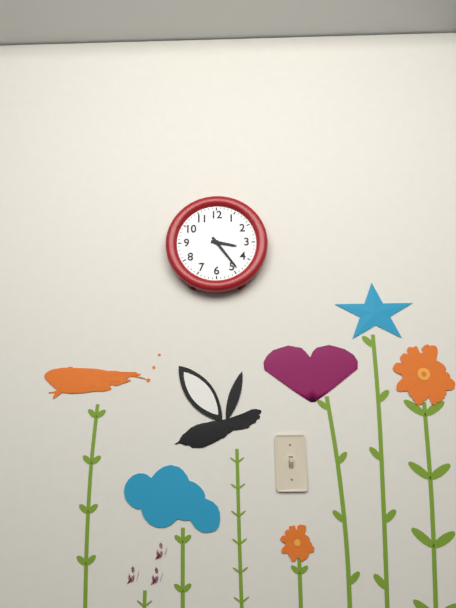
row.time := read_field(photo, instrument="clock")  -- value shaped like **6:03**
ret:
**3:24**
